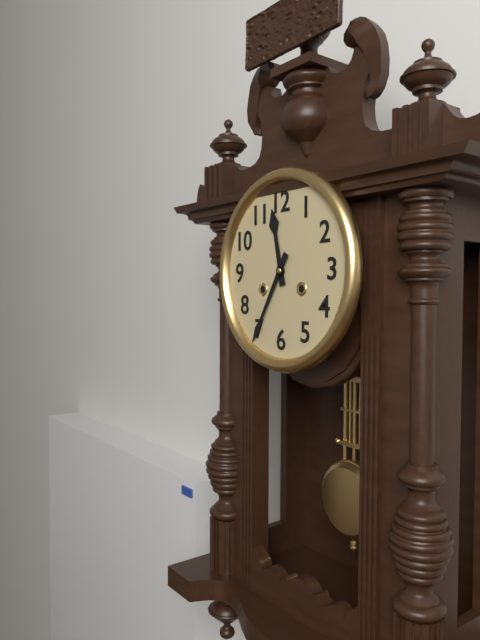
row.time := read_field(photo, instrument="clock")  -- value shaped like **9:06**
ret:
**11:35**
